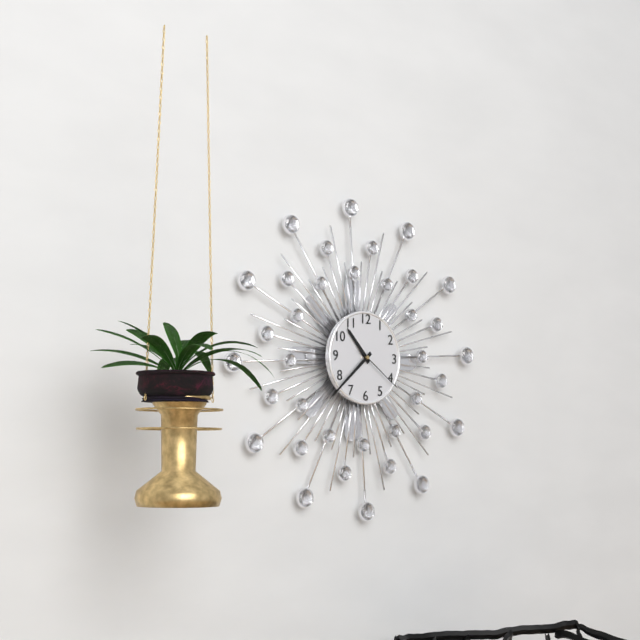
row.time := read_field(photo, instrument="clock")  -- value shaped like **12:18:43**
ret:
**10:38:21**
